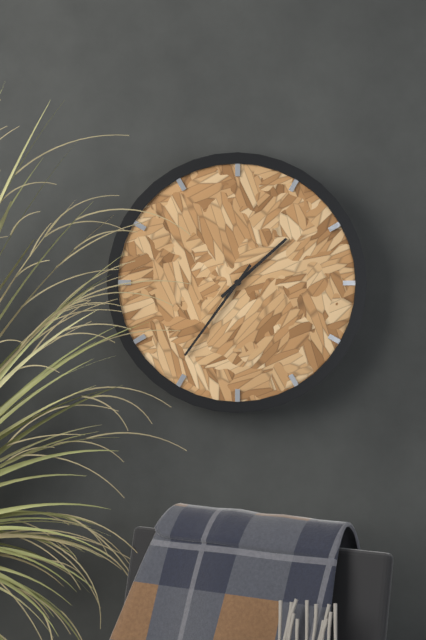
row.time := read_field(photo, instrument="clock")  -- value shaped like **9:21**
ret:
**1:36**
